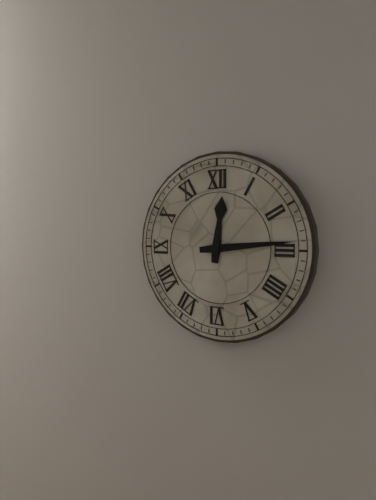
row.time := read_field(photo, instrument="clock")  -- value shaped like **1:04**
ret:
**12:14**
